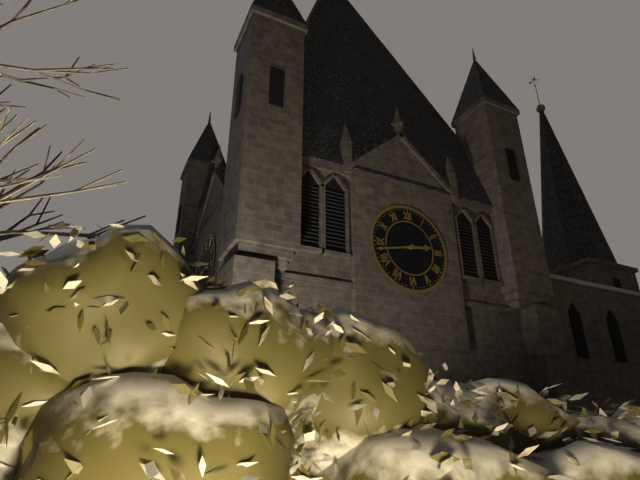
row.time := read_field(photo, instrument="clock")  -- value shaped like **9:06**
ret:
**2:43**
